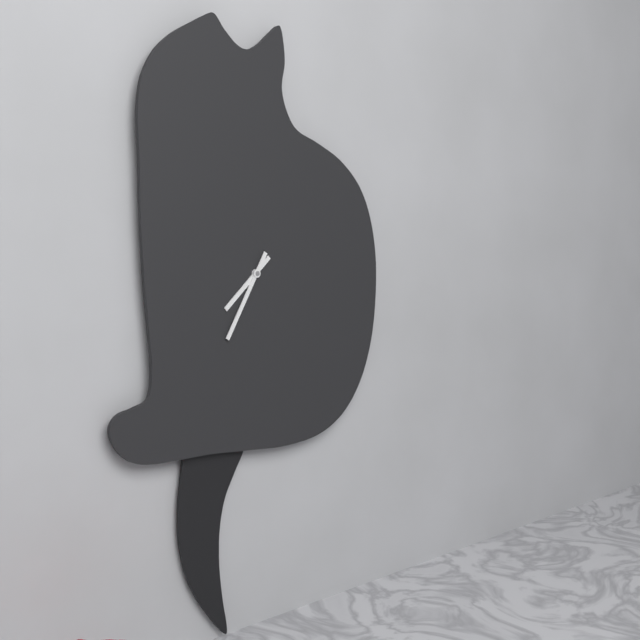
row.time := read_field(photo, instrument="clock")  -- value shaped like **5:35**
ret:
**7:35**
